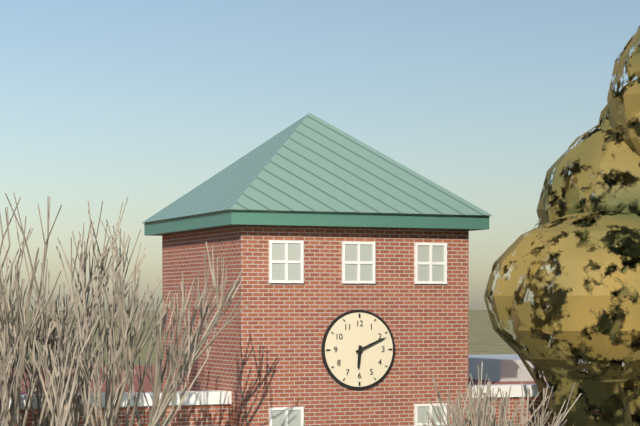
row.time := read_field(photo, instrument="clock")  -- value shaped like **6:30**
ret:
**6:11**
